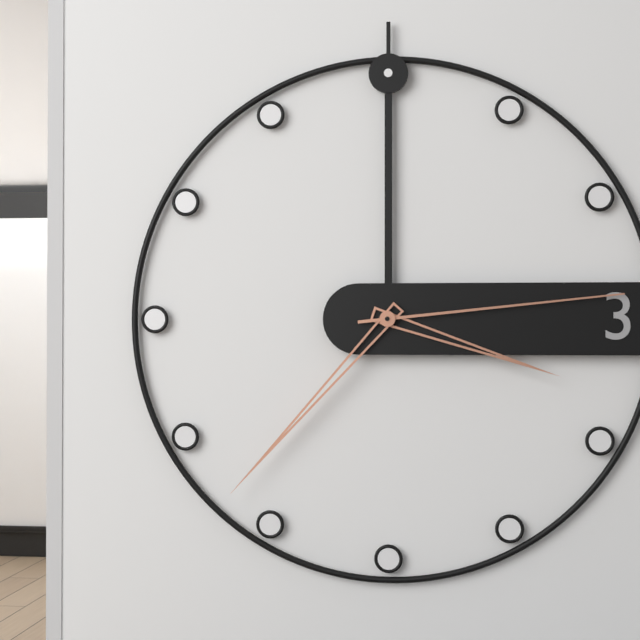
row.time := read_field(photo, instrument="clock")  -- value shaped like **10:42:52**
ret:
**3:37:14**
